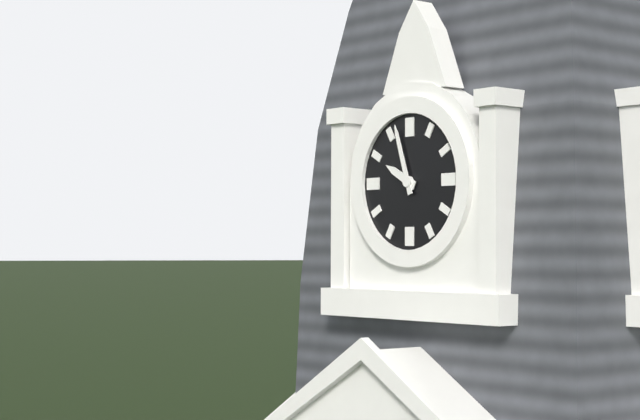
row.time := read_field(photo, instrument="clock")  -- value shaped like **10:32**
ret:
**9:57**
